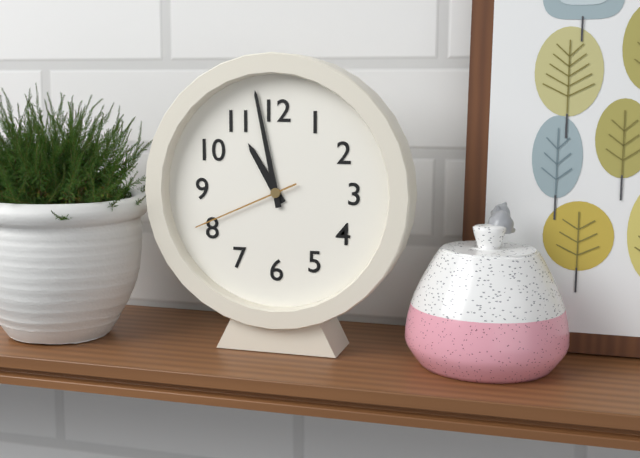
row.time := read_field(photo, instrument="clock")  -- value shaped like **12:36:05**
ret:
**10:58:41**
